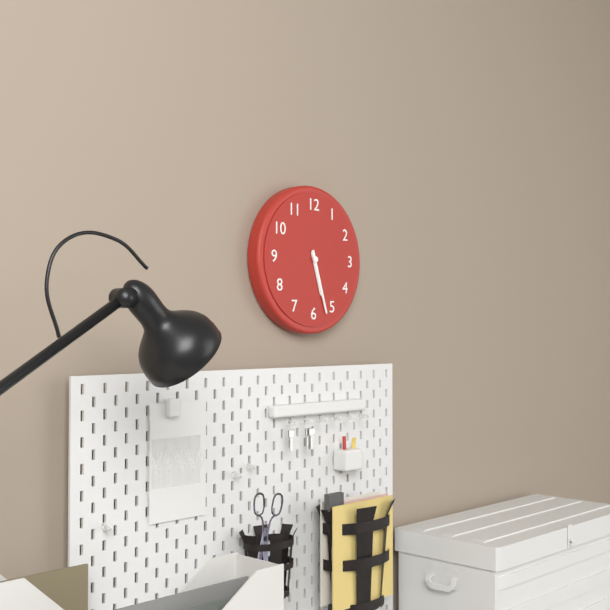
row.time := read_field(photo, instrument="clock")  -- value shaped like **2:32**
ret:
**5:27**
